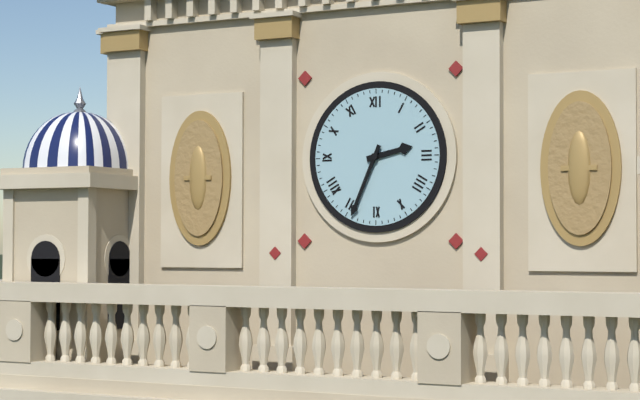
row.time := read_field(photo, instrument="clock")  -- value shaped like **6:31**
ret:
**2:34**
